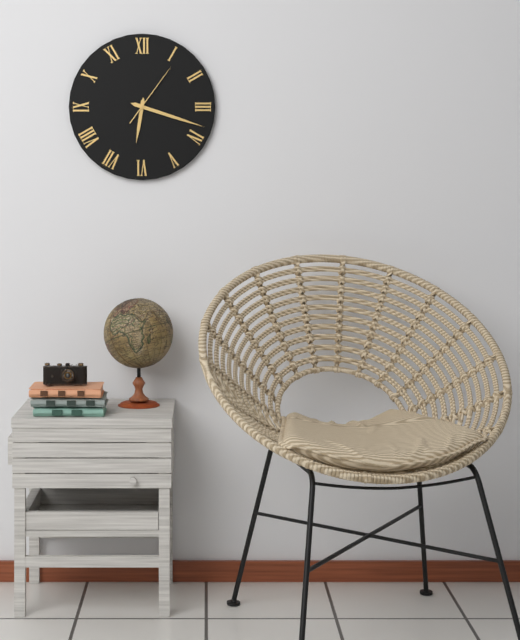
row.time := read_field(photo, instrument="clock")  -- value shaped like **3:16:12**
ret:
**6:18:06**
